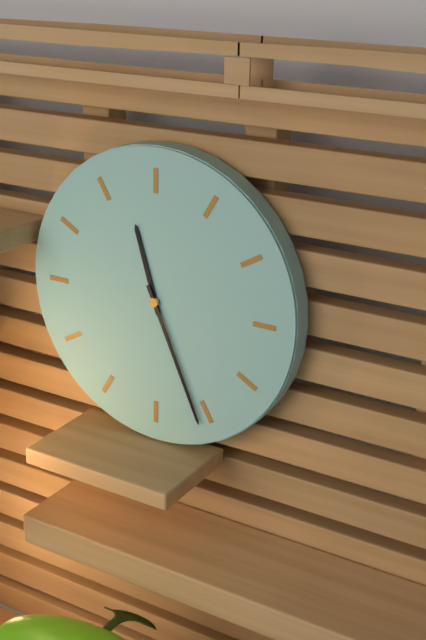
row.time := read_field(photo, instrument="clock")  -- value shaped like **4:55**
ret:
**11:26**
